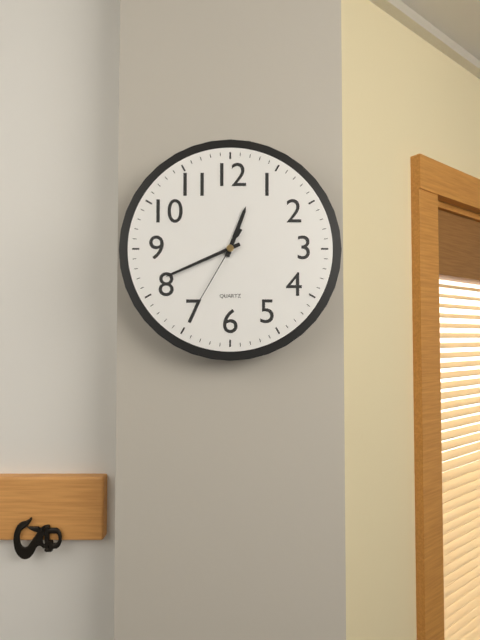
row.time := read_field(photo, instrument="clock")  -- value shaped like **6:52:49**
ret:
**12:41:35**
